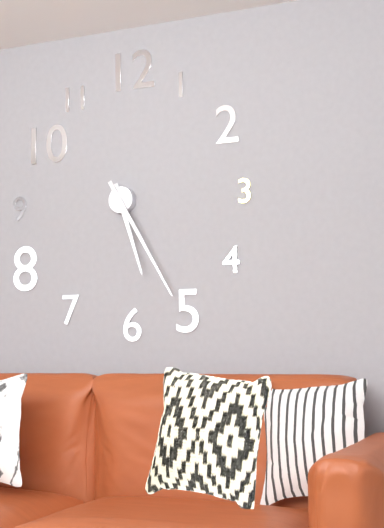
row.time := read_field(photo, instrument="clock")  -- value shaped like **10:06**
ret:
**5:25**
